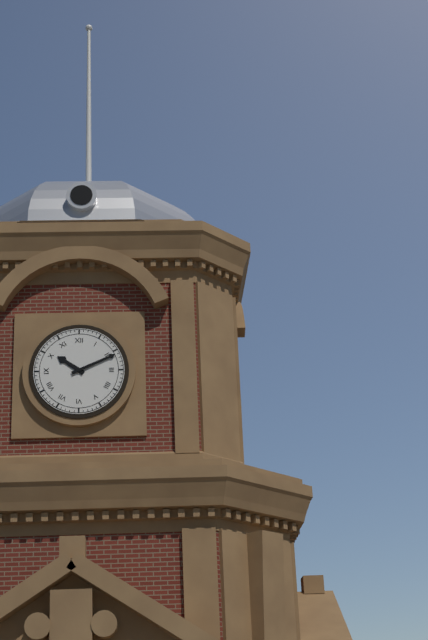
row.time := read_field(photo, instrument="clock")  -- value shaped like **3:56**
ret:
**10:11**
